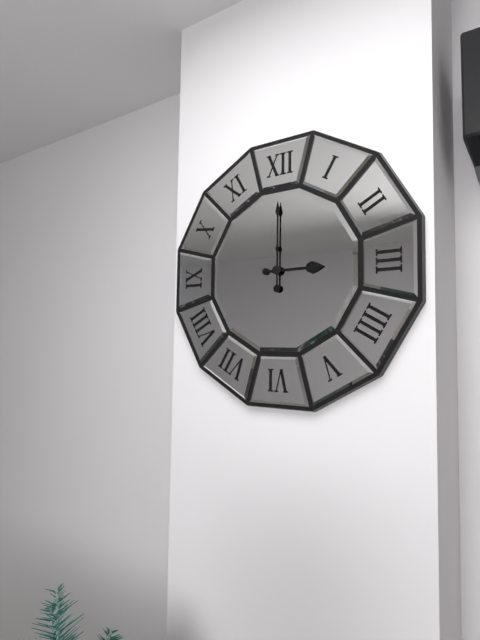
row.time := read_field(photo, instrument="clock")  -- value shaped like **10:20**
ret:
**3:00**
